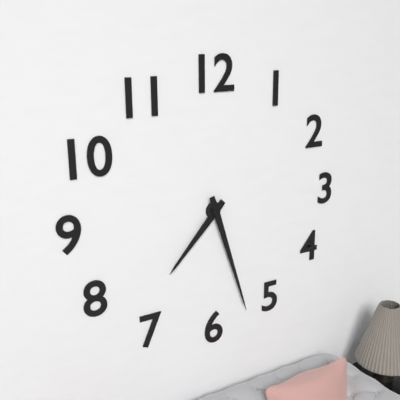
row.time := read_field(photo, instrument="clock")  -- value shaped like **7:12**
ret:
**7:27**
